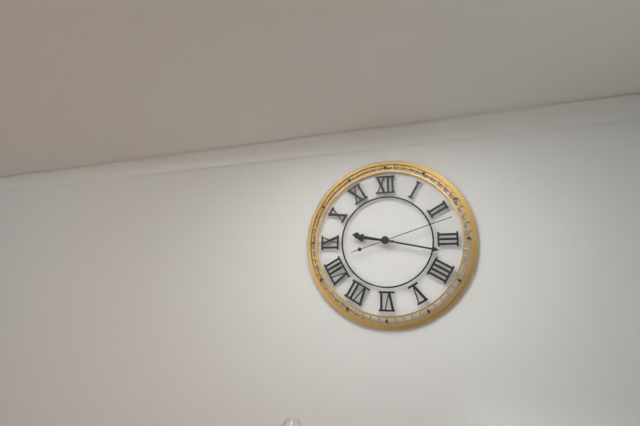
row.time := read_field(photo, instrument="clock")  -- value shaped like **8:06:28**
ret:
**9:17:12**
